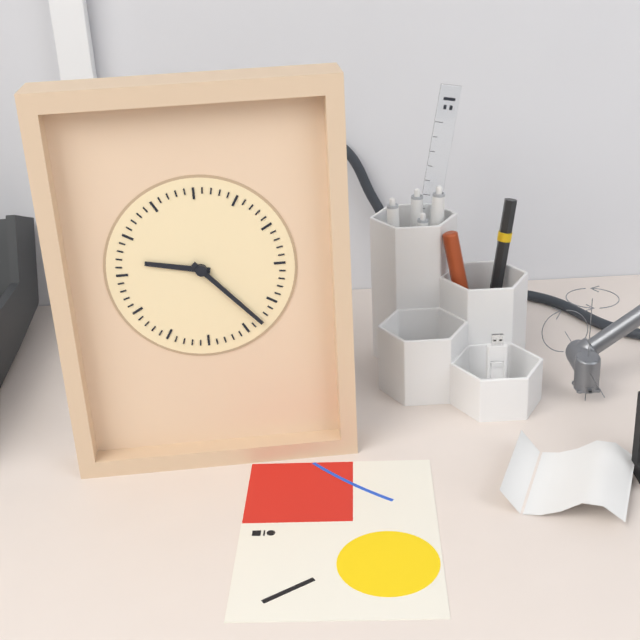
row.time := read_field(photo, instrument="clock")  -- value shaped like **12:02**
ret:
**9:23**
